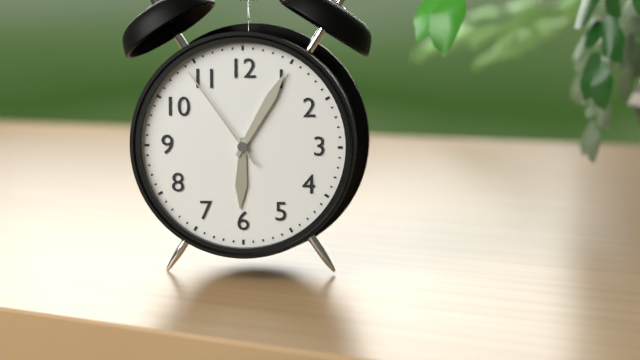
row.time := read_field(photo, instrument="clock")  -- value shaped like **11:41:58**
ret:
**6:05:54**
